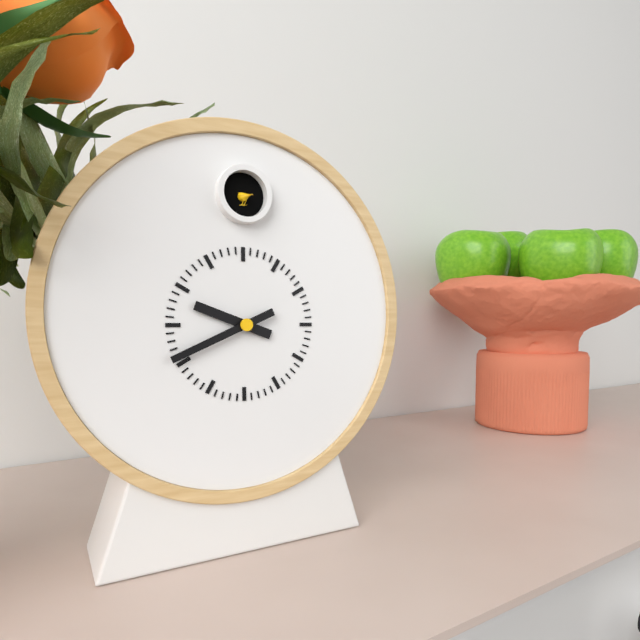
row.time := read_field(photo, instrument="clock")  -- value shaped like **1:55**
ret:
**9:41**
